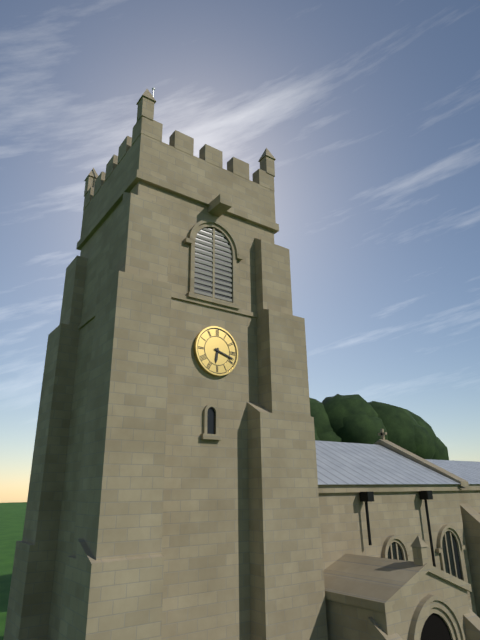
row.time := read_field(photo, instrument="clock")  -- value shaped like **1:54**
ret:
**6:18**
